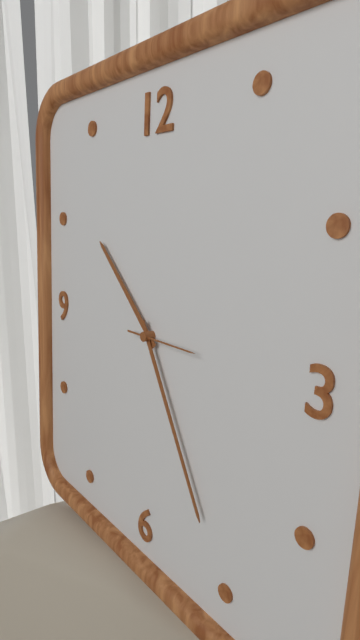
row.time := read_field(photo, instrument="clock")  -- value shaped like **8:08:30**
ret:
**10:25:15**
